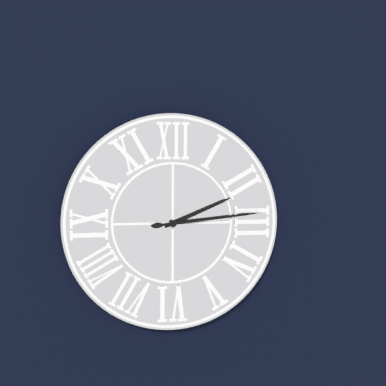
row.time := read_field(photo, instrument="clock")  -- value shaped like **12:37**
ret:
**2:14**
